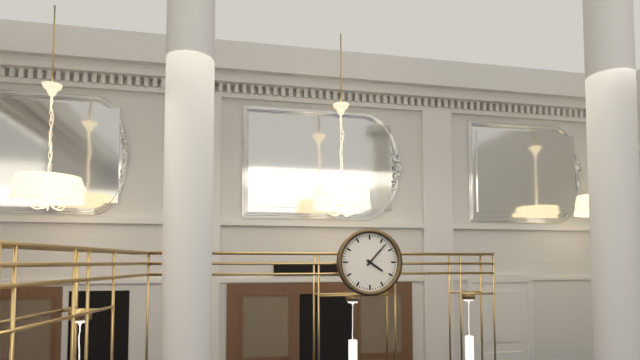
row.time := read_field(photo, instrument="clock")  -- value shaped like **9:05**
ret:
**4:07**
